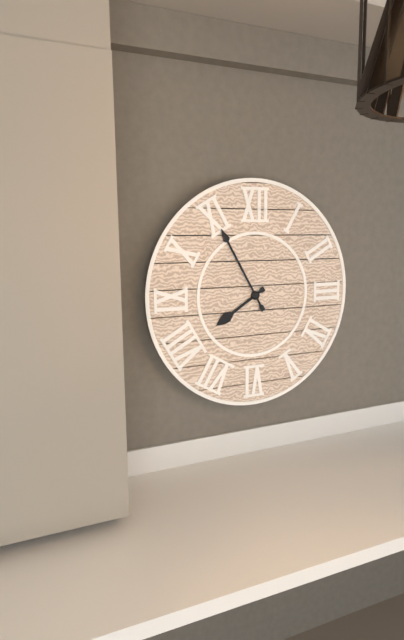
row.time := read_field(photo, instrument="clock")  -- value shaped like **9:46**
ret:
**7:55**
